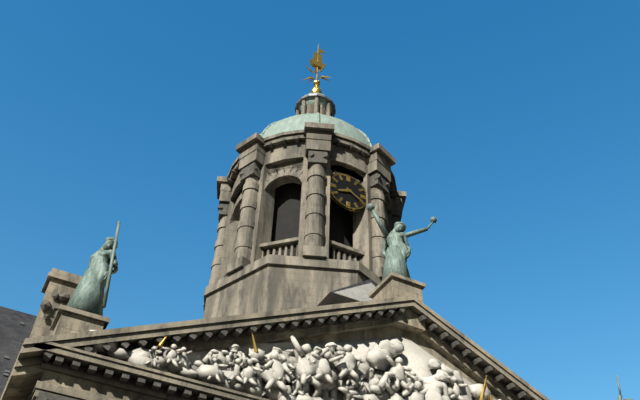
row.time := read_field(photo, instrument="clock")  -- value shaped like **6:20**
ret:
**8:20**
